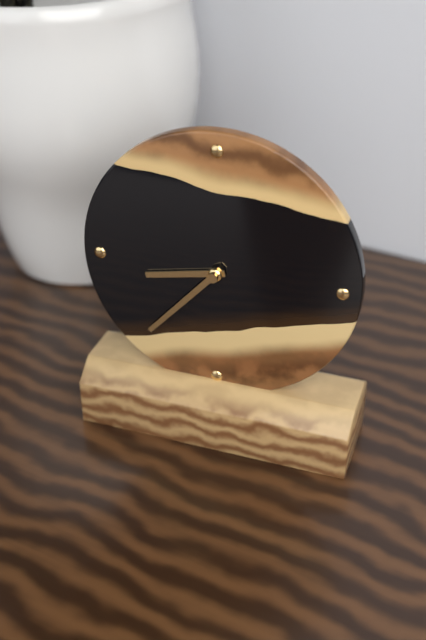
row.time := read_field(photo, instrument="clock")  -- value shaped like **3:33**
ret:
**8:37**
